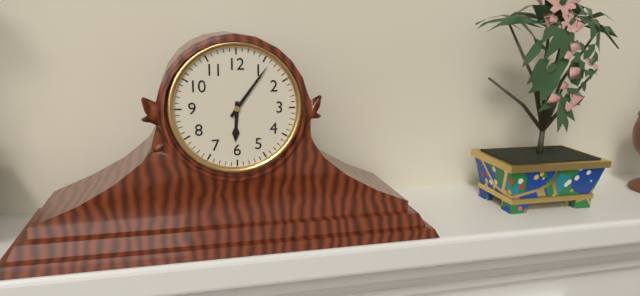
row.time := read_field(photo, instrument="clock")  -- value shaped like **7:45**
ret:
**6:06**
